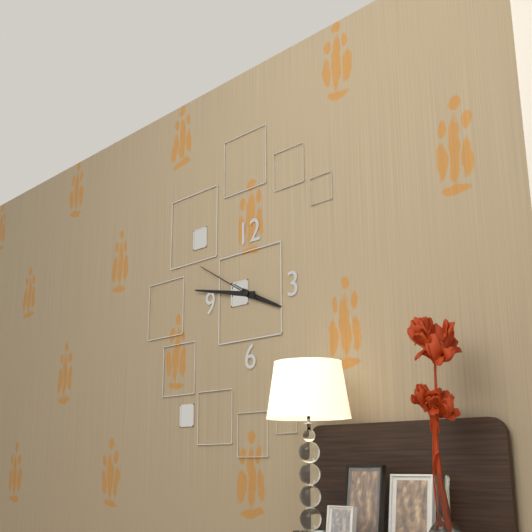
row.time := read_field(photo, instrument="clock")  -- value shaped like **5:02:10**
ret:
**3:47:50**
